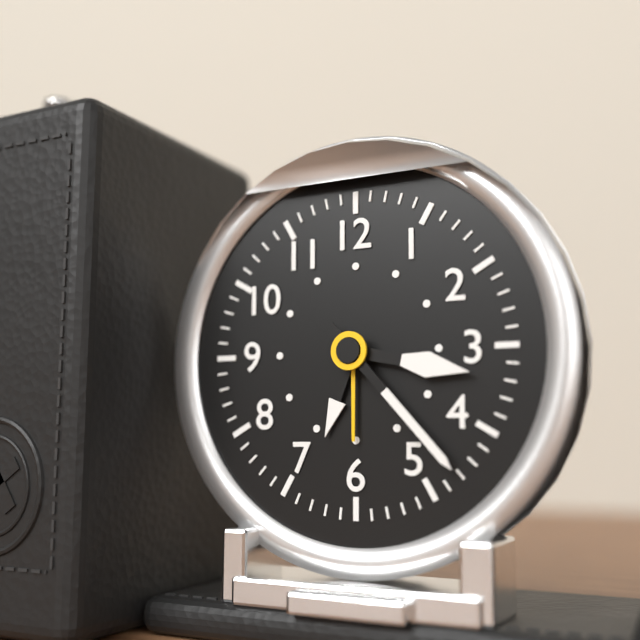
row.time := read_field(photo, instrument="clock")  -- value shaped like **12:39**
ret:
**3:23**
